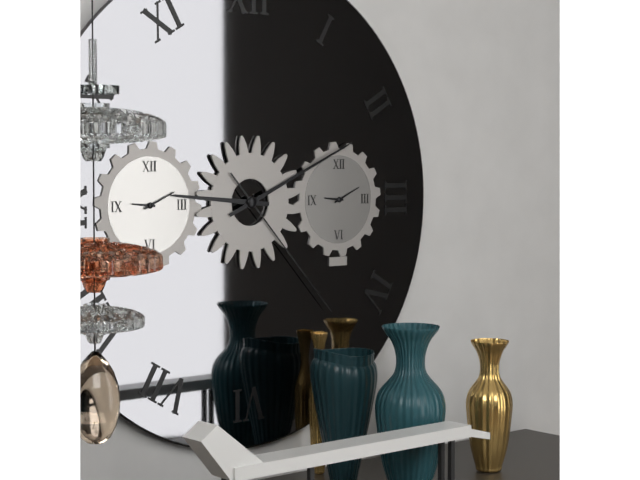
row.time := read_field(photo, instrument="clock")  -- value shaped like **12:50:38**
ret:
**9:11:23**
